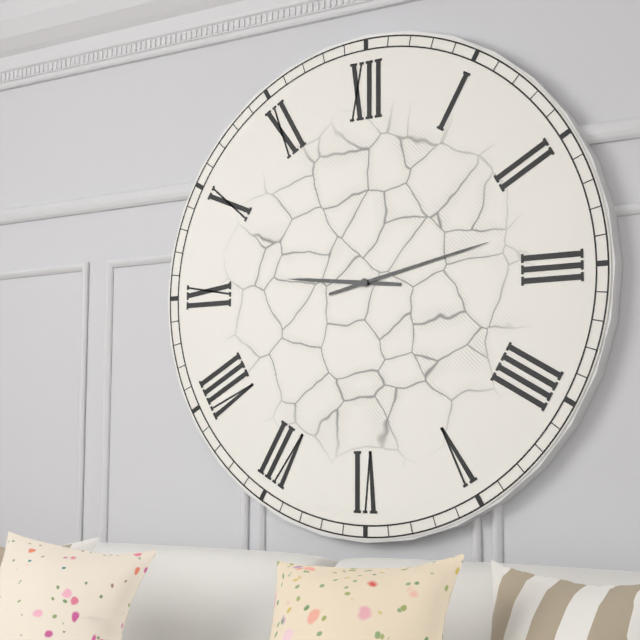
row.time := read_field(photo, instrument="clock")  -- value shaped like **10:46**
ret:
**9:13**
